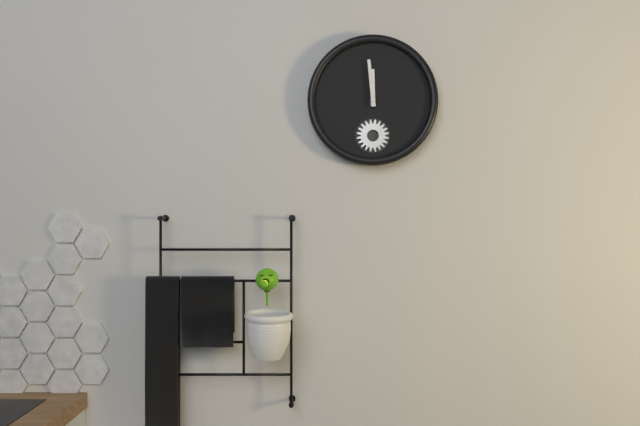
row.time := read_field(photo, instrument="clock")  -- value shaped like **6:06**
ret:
**11:59**
